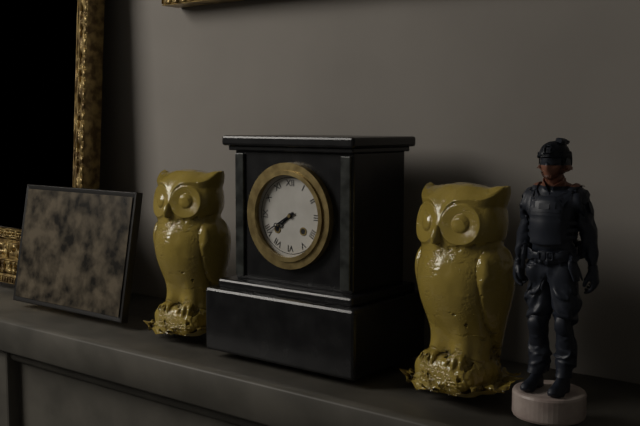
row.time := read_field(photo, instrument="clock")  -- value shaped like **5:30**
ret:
**7:40**
